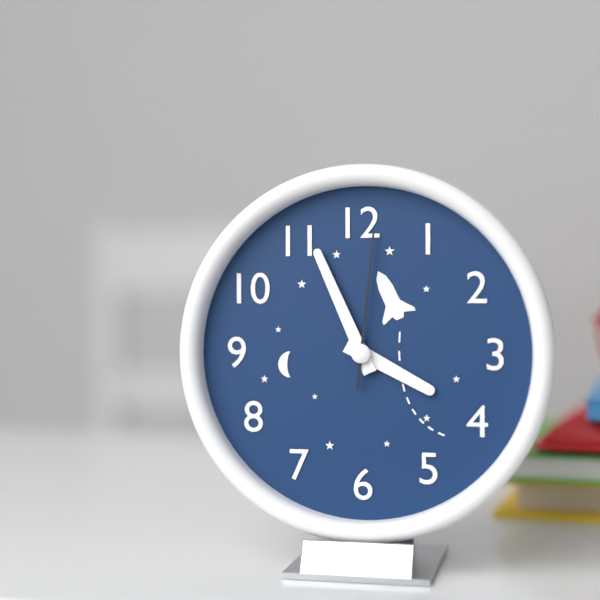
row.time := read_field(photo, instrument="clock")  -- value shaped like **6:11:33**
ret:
**3:56:01**
